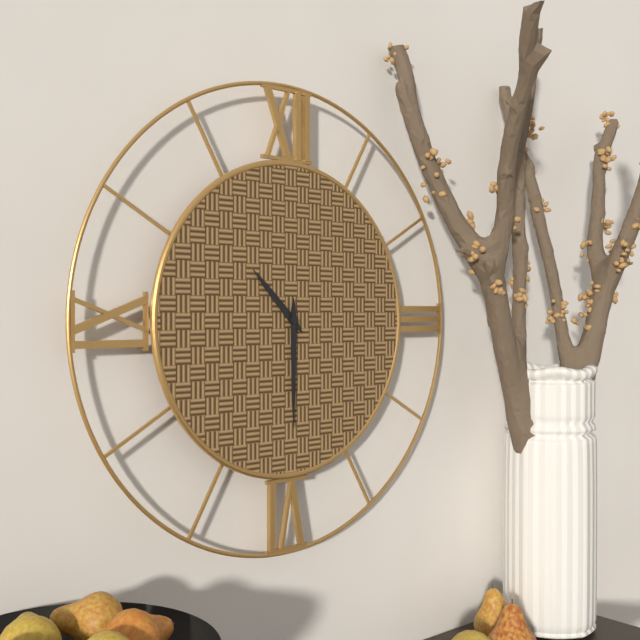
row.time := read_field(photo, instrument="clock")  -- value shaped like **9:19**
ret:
**10:30**
